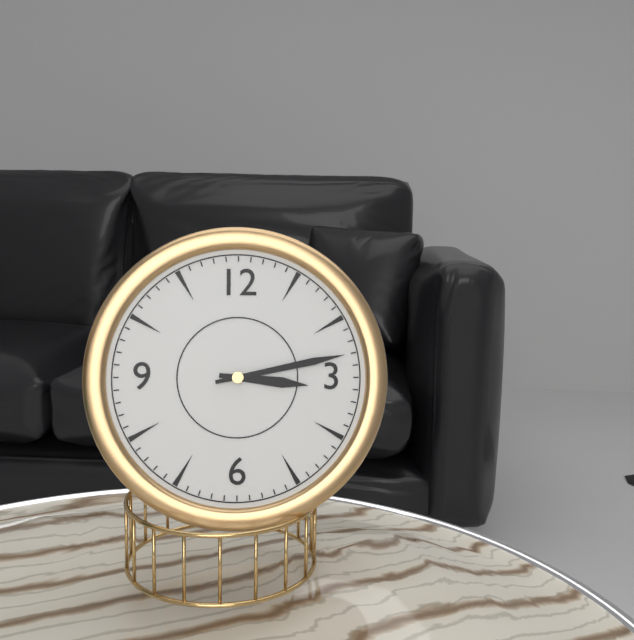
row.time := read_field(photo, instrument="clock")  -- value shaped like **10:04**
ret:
**3:13**
